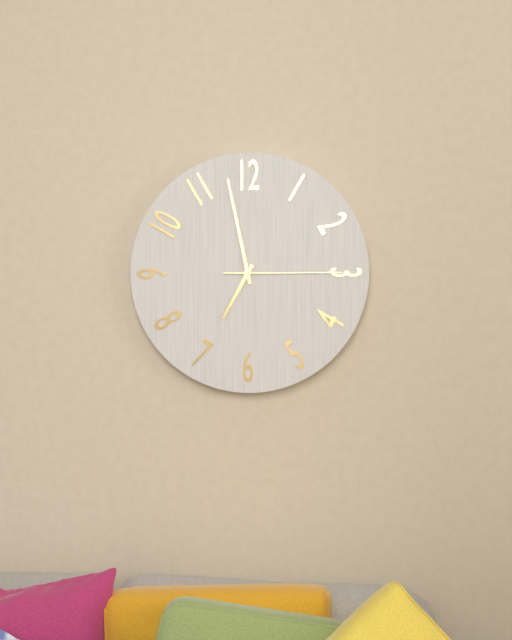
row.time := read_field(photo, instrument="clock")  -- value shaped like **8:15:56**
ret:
**6:58:15**
